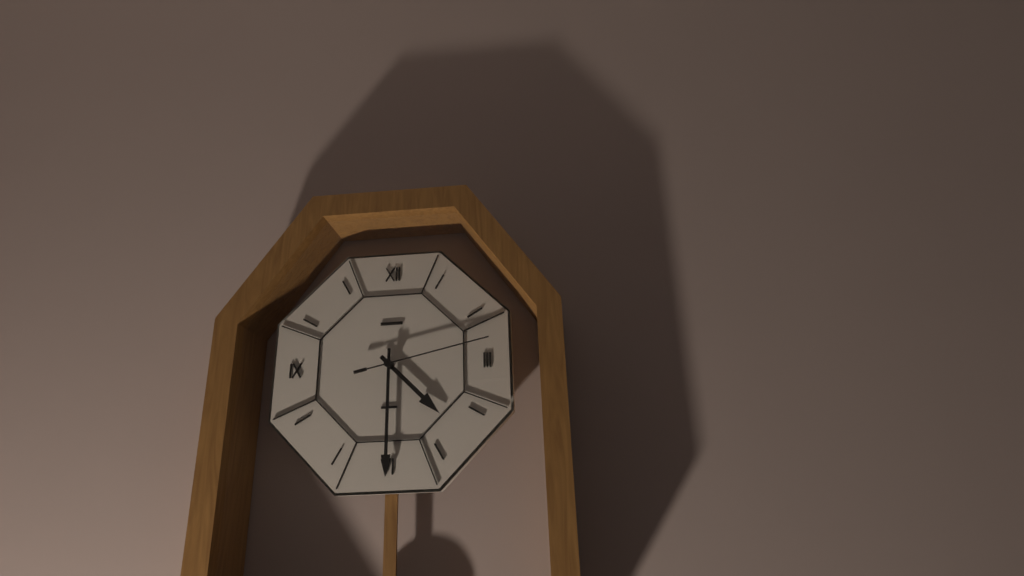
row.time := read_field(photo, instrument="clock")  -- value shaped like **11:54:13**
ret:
**4:30:13**
